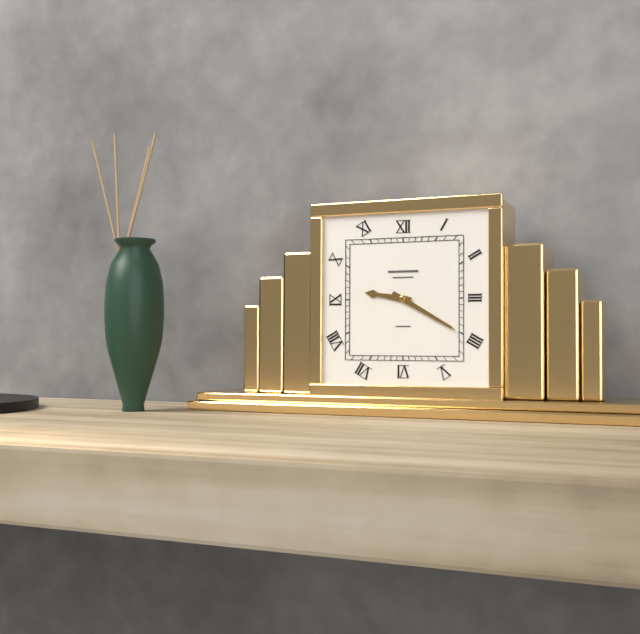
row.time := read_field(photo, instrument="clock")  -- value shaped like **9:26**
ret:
**9:20**
